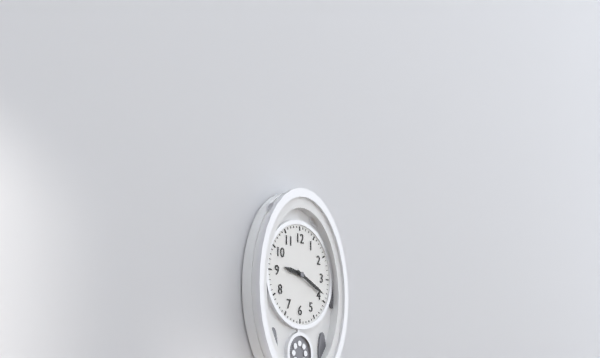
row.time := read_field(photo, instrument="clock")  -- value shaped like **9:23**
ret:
**9:19**
